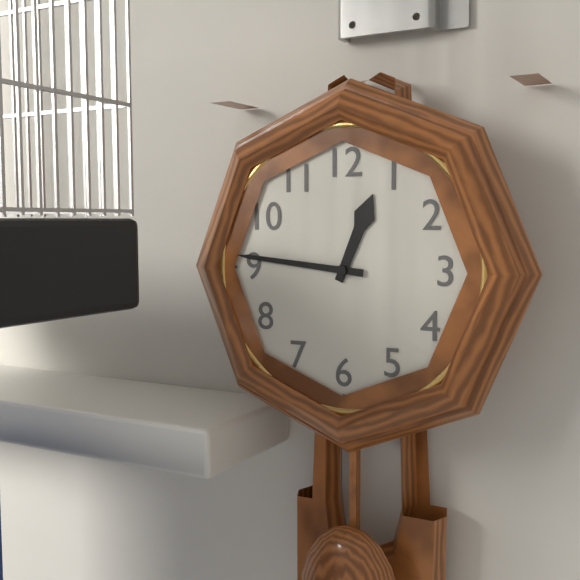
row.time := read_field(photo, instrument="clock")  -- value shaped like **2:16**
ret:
**12:46**
